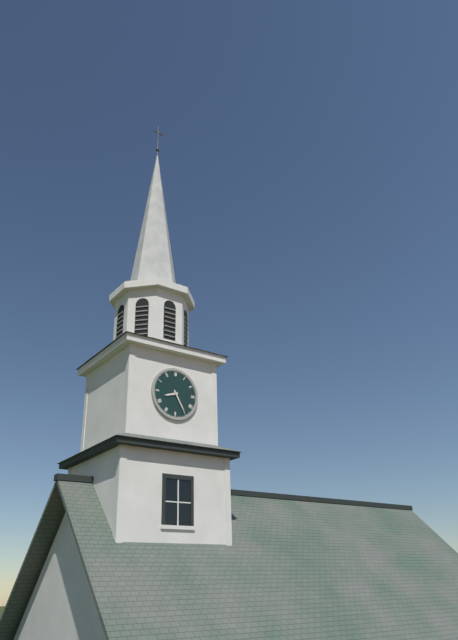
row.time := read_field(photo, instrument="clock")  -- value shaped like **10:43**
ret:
**8:25**
